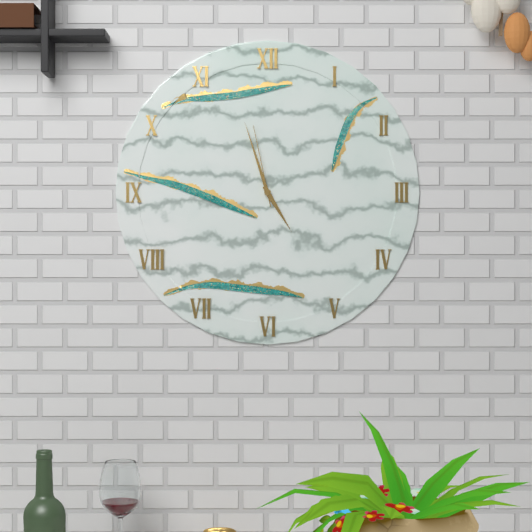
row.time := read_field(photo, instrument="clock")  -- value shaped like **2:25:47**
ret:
**4:57:58**
